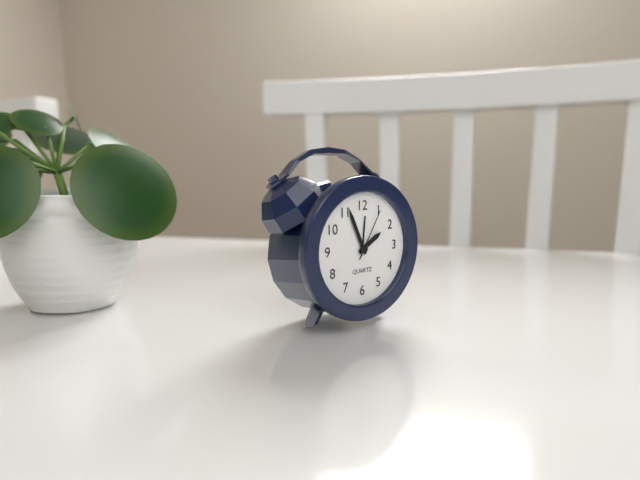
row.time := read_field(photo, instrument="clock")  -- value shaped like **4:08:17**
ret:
**1:56:05**
